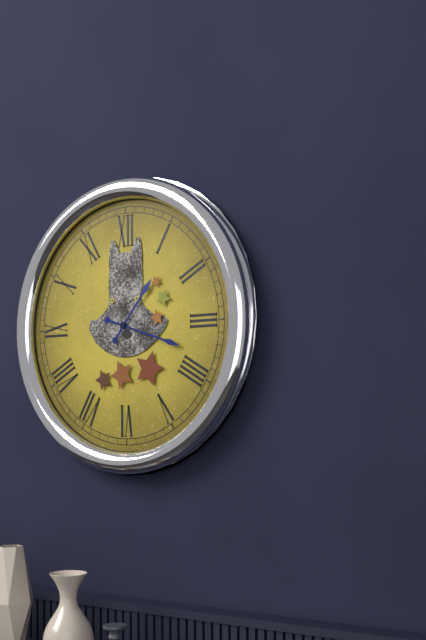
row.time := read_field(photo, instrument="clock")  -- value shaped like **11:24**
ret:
**1:18**
